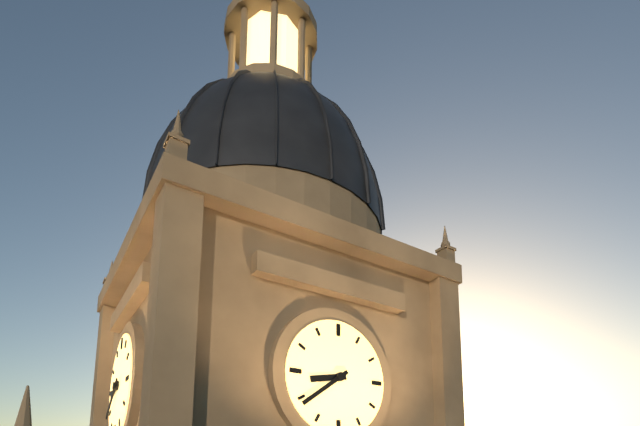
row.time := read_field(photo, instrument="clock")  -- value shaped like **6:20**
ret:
**8:39**
